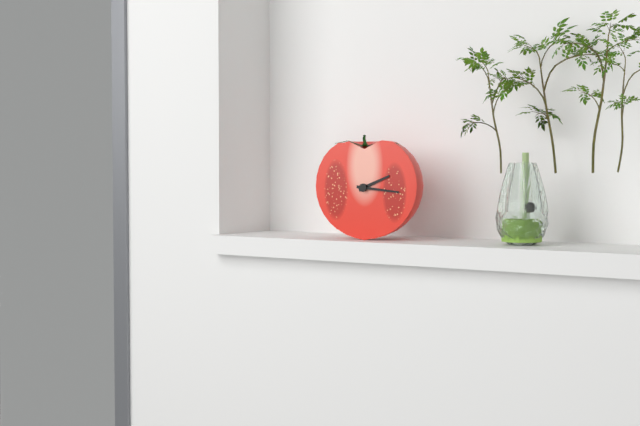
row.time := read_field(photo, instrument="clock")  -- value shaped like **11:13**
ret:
**2:16**
